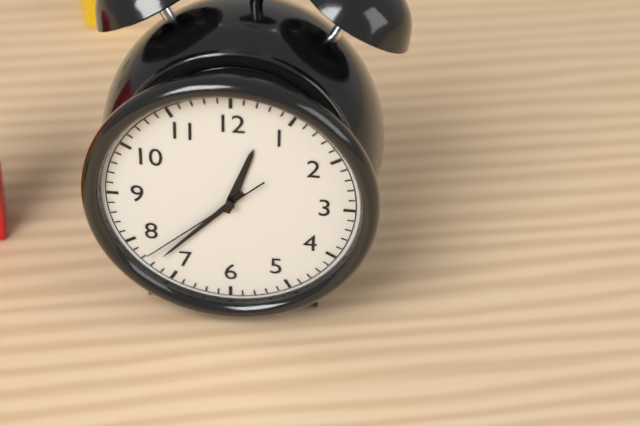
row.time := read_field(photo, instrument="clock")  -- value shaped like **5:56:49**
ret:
**12:37:38**
